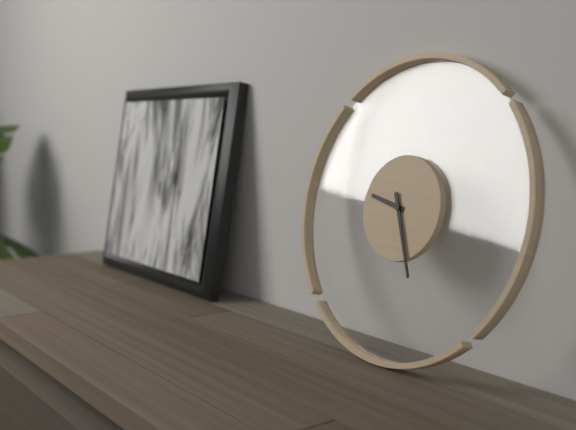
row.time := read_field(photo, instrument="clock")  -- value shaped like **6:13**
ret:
**9:26**
